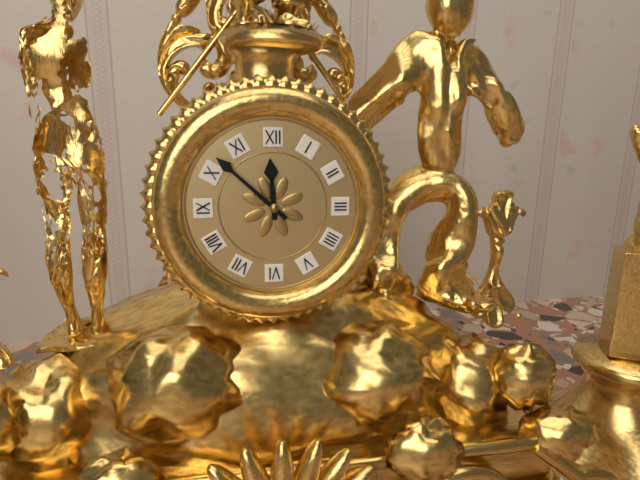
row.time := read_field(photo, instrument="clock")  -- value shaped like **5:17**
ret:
**11:52**
